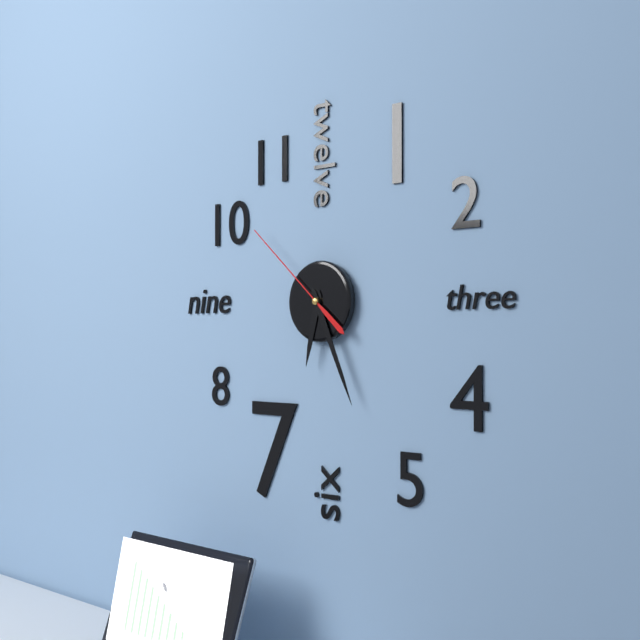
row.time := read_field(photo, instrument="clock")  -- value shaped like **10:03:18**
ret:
**6:26:52**
